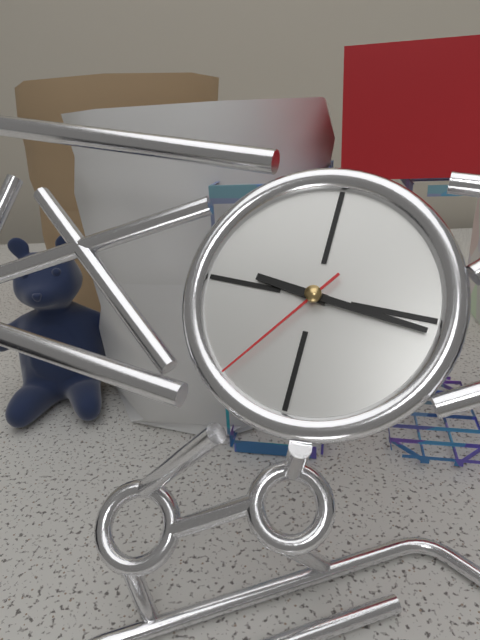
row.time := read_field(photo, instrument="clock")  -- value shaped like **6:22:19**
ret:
**9:16:36**
